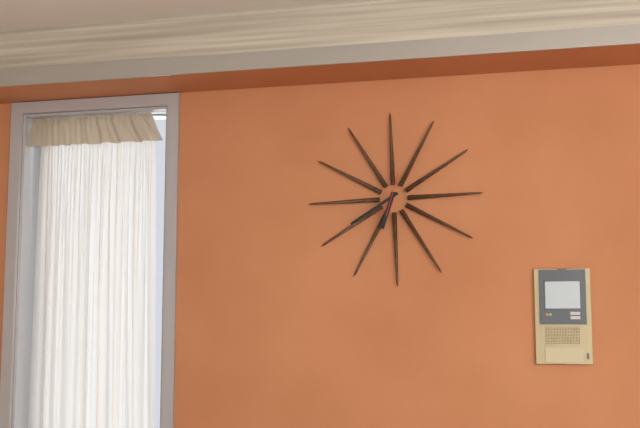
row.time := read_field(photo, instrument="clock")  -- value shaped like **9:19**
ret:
**6:40**
